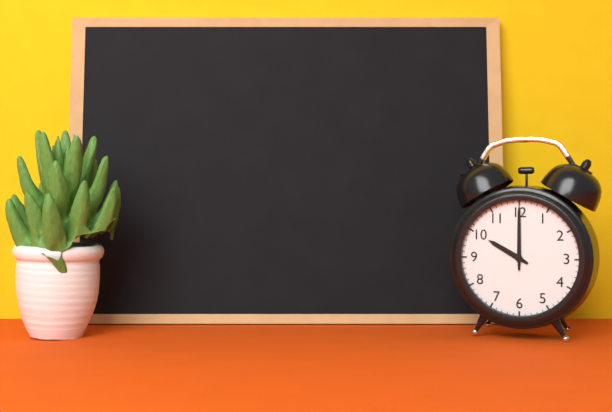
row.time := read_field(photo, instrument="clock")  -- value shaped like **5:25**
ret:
**10:00**
